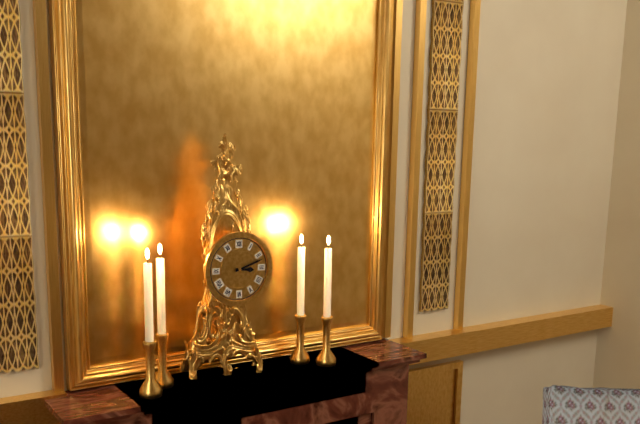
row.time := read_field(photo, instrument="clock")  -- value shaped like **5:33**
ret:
**3:12**
